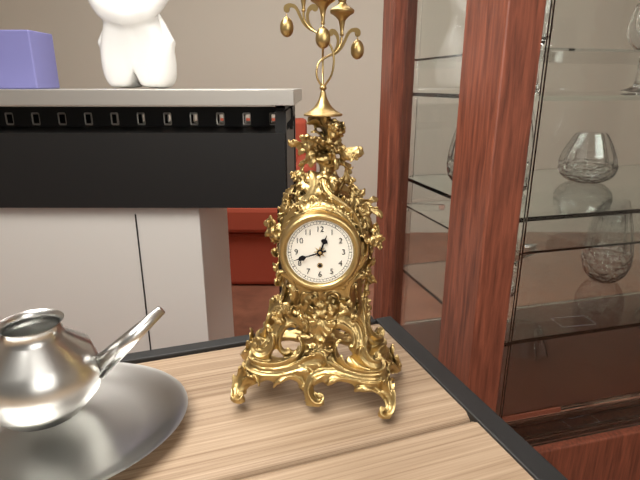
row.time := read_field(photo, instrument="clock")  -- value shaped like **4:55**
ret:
**12:42**
